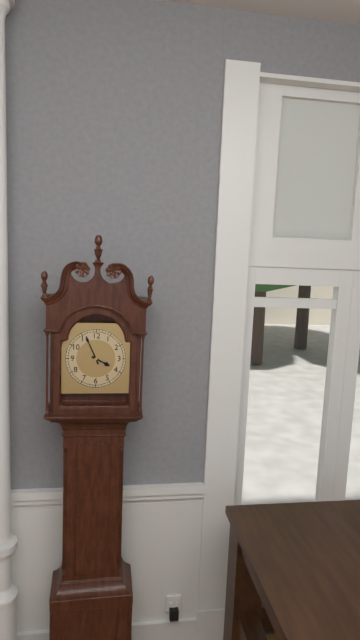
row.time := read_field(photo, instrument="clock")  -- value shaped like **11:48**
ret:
**3:56**
